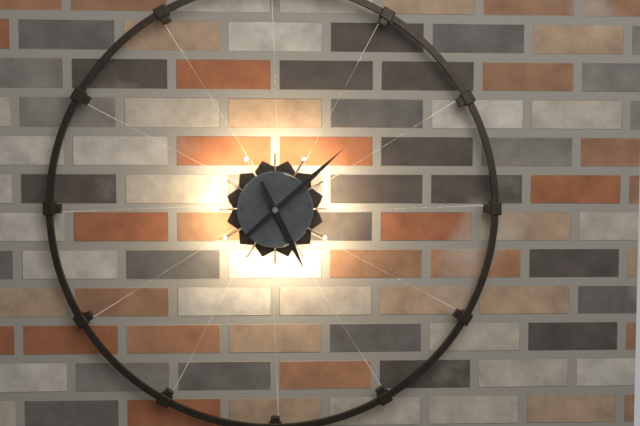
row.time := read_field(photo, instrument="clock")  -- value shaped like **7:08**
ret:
**5:08**
